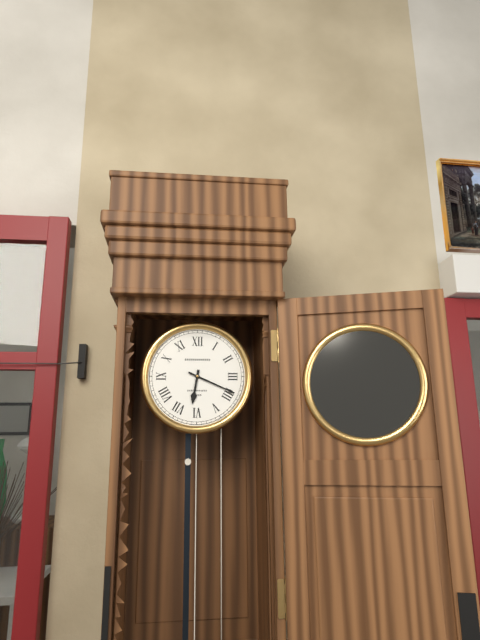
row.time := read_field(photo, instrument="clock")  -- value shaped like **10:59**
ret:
**6:19**
